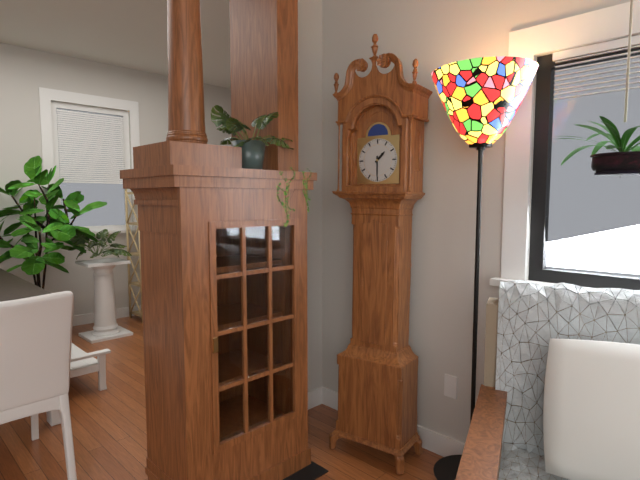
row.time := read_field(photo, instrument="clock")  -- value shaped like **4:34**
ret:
**1:30**
